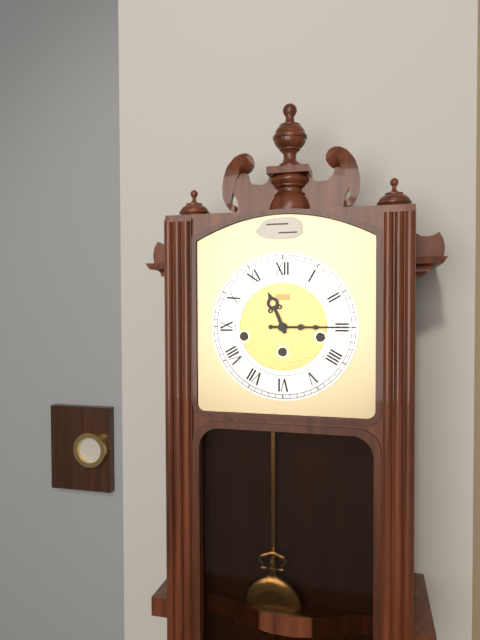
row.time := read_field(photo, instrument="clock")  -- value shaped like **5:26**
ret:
**11:15**
